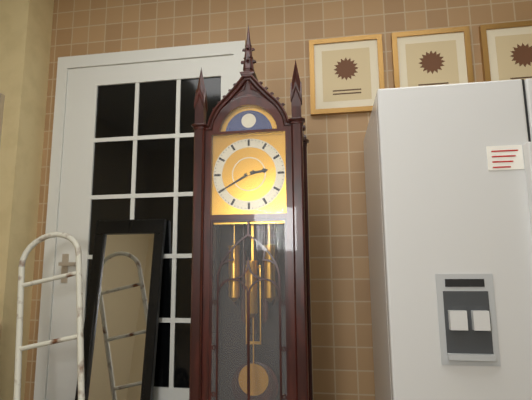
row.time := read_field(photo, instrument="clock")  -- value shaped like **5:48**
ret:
**2:40**
